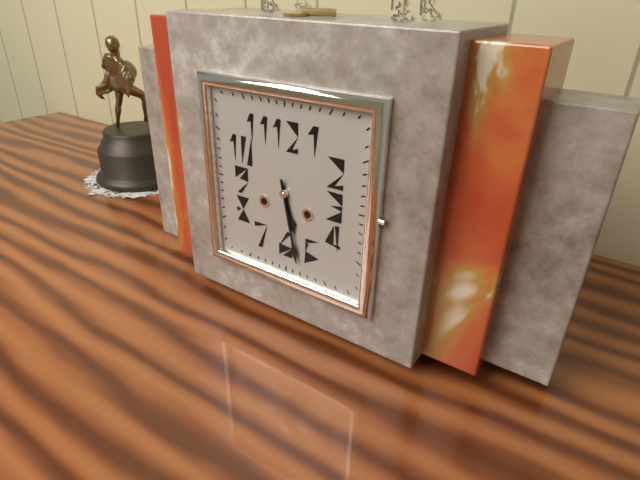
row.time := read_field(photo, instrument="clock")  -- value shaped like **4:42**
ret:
**5:28**
